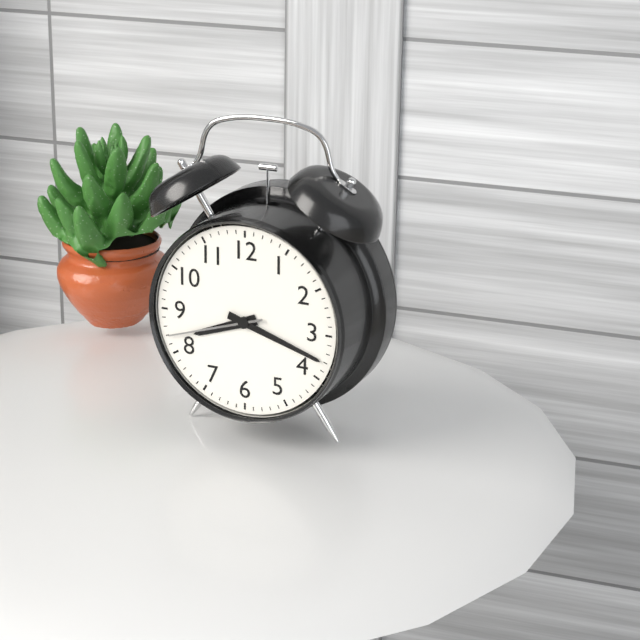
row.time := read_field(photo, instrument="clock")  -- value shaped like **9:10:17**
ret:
**8:18:42**
